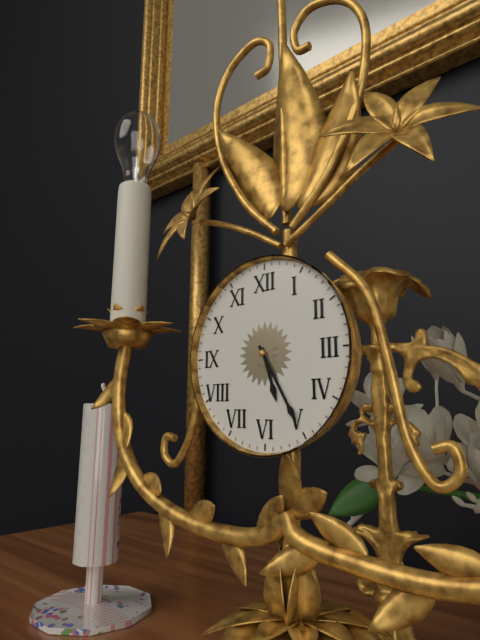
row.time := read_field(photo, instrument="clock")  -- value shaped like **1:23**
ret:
**5:25**
